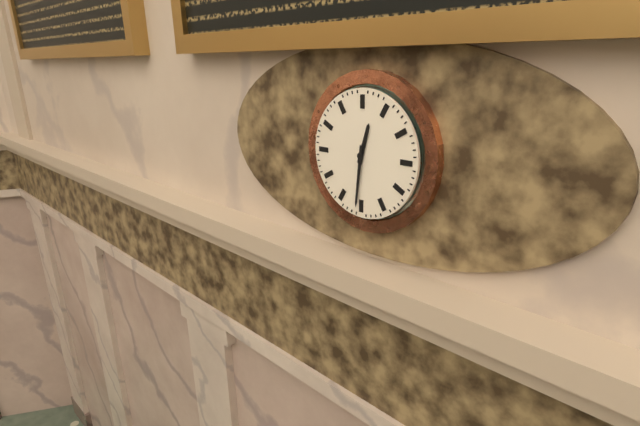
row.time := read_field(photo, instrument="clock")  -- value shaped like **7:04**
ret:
**12:31**
